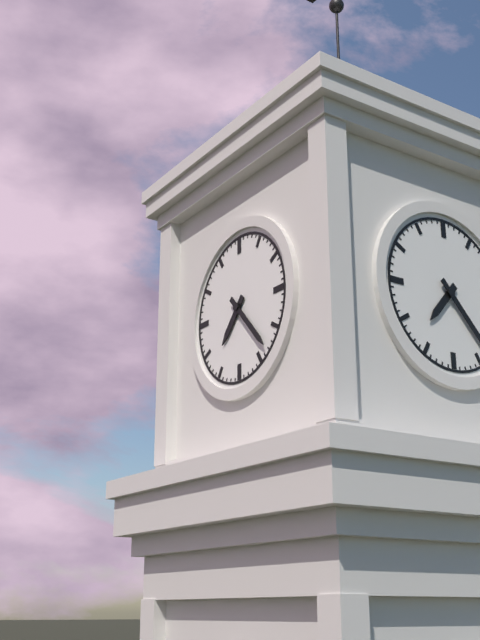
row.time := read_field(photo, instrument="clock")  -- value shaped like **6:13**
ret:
**7:23**
